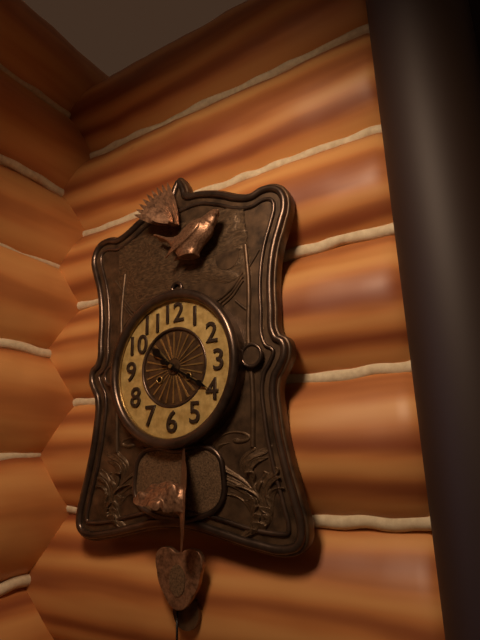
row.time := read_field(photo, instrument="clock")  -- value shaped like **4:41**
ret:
**10:20**
